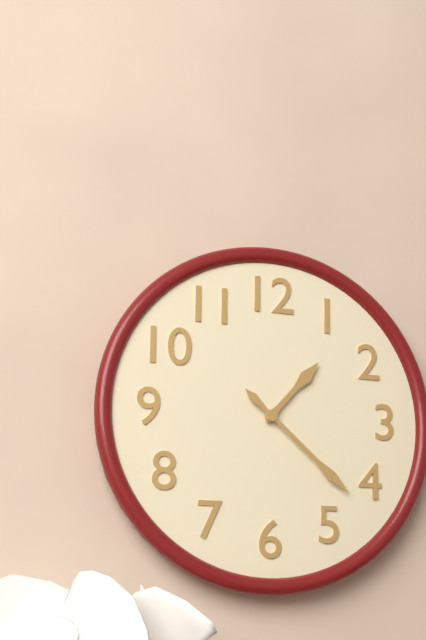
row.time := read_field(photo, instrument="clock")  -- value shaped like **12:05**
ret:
**1:22**
